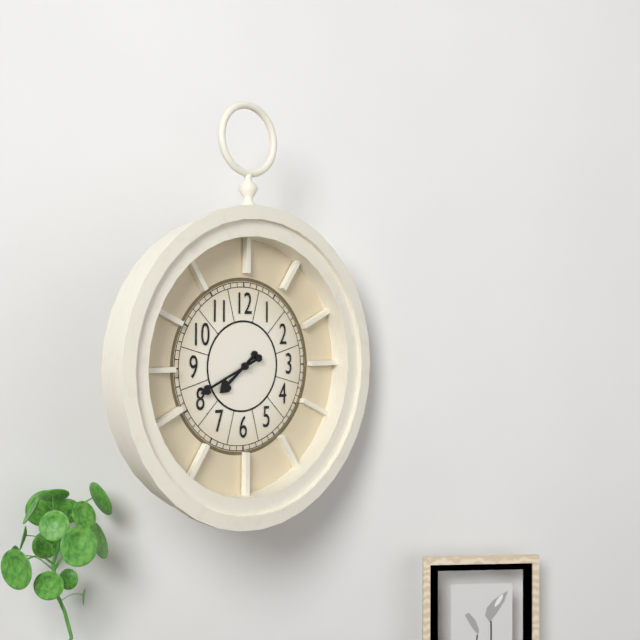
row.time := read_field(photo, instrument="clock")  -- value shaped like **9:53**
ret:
**7:41**
